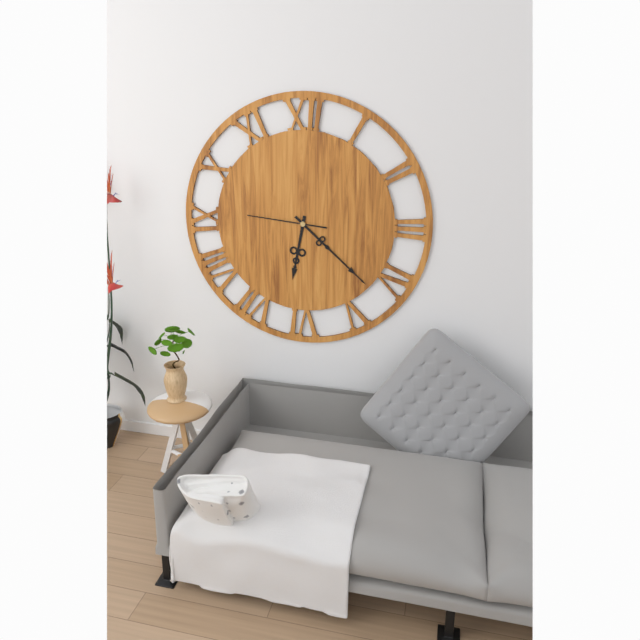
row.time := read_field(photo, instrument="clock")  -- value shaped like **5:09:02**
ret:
**6:22:46**
